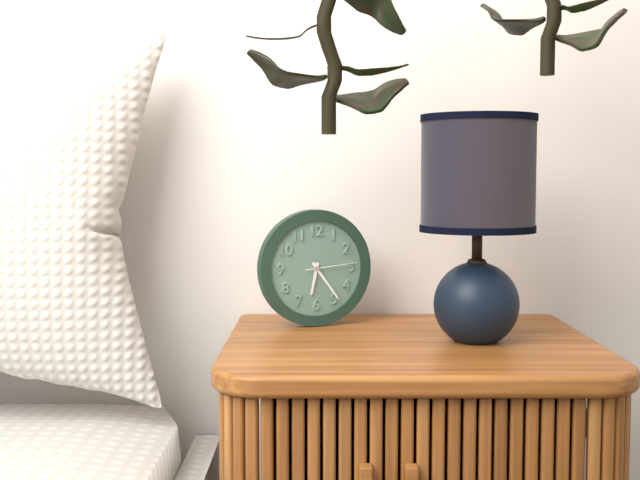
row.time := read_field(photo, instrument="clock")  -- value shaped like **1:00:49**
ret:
**6:24:14**
